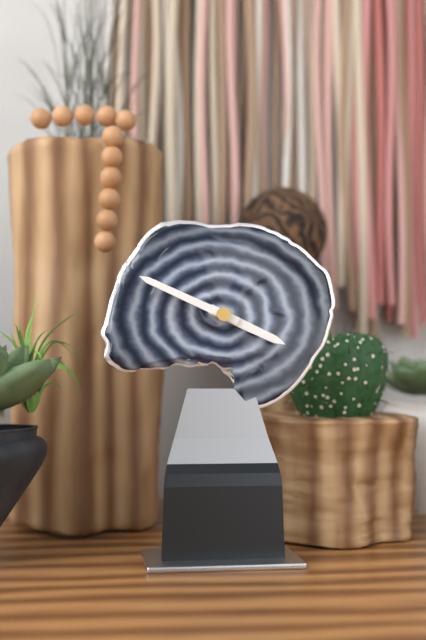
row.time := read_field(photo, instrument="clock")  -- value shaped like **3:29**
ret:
**3:49**
